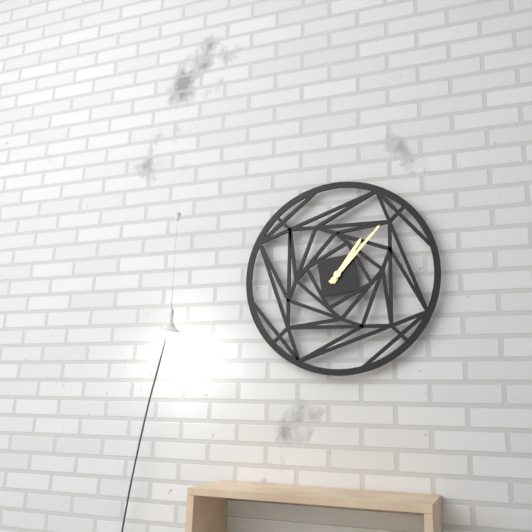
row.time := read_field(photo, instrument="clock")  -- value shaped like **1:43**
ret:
**1:07**
